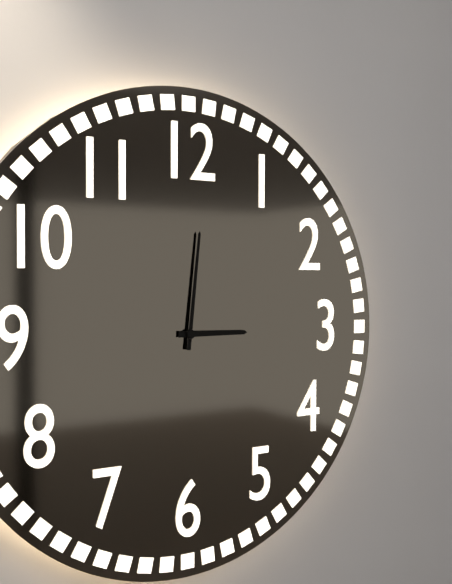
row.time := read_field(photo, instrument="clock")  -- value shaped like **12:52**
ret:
**3:01**
